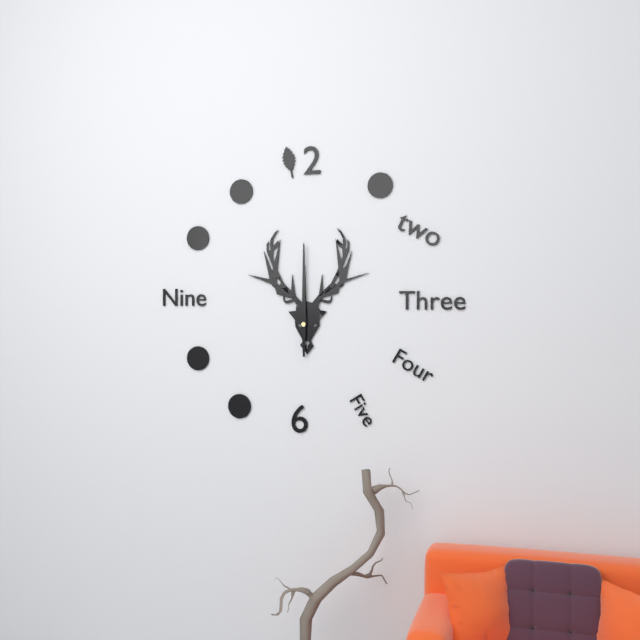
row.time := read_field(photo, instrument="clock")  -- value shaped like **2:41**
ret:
**12:00**
